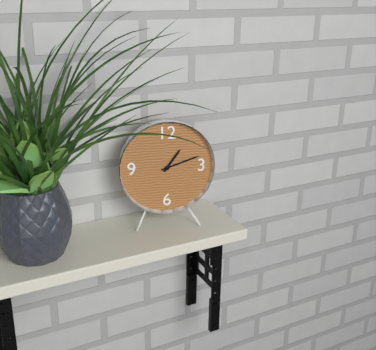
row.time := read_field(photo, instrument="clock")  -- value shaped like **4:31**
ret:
**1:12**
